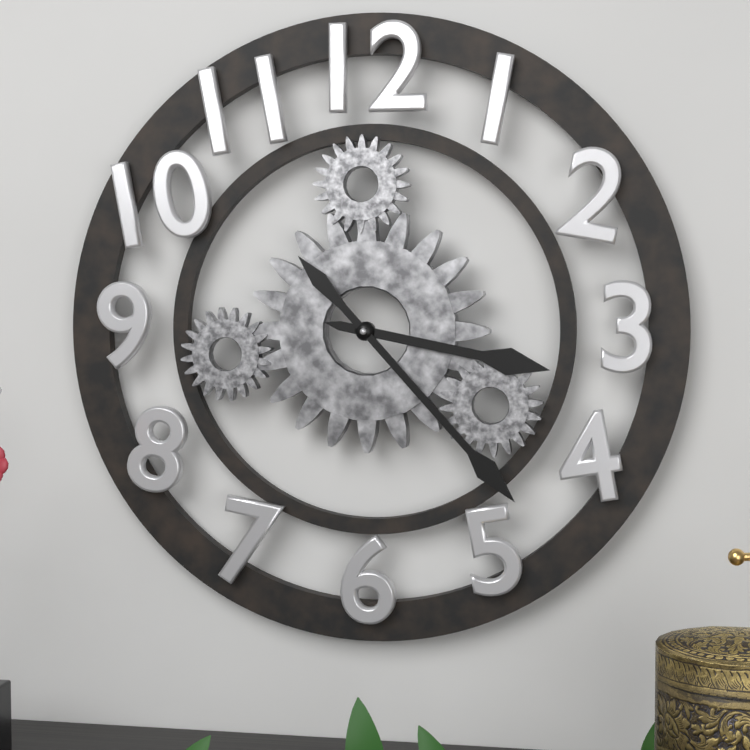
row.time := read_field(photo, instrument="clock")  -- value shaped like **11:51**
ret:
**3:23**
